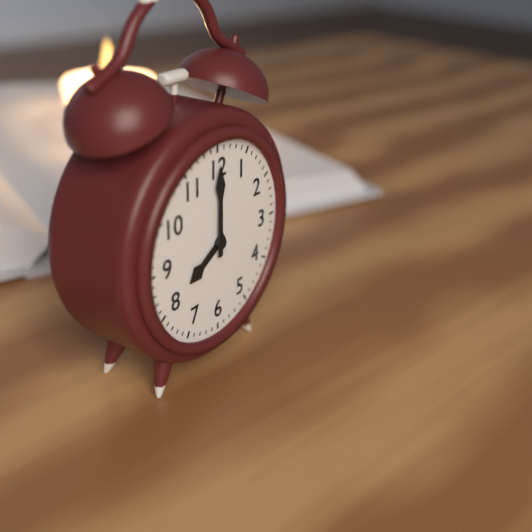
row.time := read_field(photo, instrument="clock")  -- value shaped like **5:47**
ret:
**8:00**
